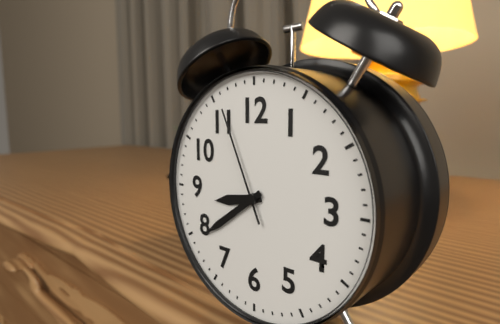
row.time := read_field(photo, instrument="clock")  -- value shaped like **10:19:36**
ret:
**8:39:56**
